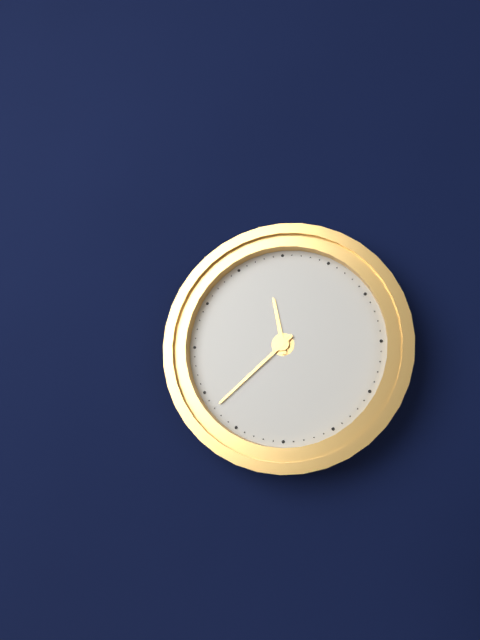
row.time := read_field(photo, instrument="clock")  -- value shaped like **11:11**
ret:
**11:38**
